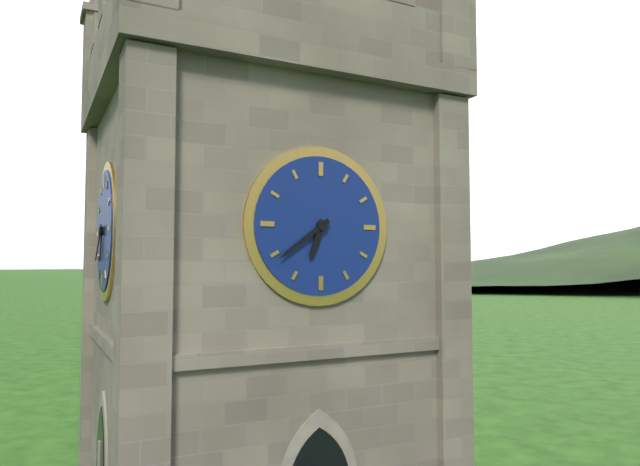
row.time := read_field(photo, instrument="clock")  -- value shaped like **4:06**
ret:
**6:39**
